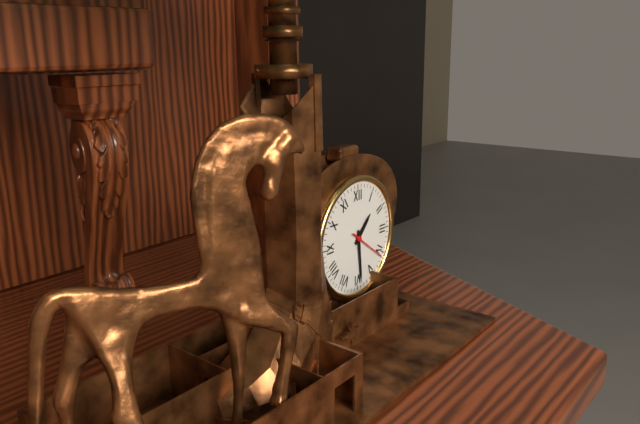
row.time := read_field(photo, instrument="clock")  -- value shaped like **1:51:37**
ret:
**1:29:21**
